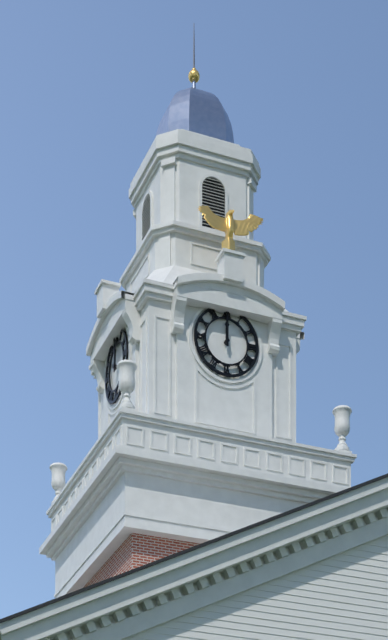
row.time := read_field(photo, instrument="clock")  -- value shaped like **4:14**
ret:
**12:00**
